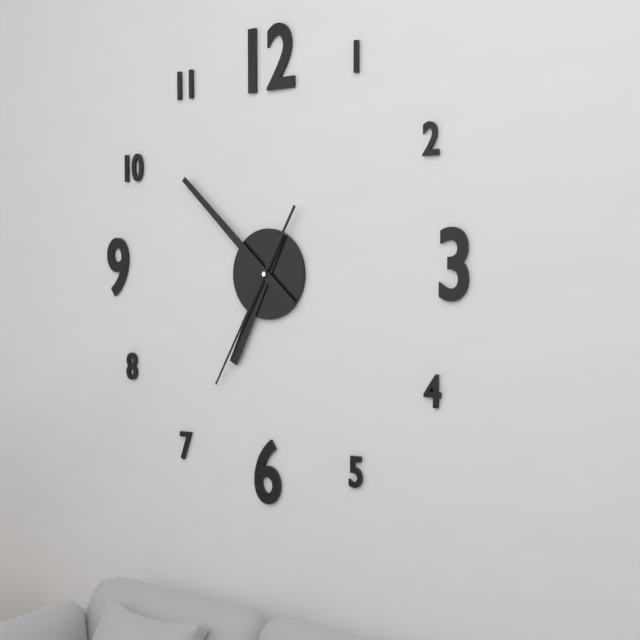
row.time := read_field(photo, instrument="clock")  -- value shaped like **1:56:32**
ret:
**6:52:35**
